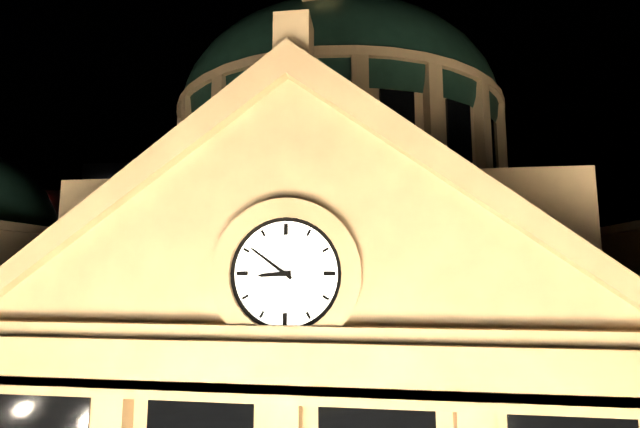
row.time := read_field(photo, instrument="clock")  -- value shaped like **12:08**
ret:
**8:51**
